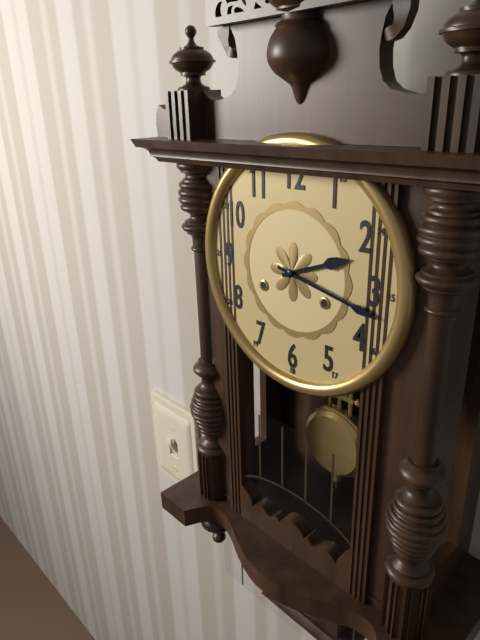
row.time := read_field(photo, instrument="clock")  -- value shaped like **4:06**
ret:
**2:17**
